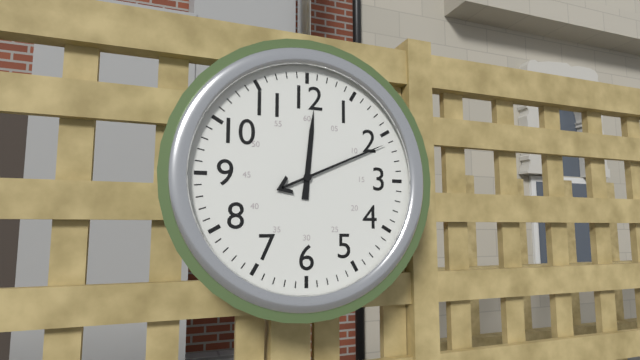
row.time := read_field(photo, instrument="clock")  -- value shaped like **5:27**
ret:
**12:11**
